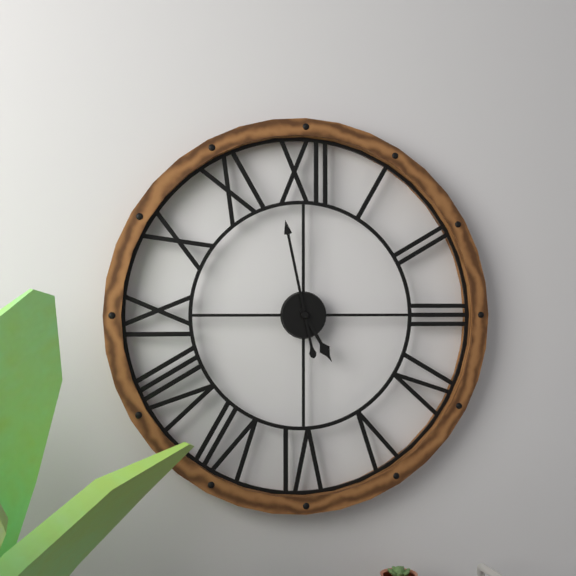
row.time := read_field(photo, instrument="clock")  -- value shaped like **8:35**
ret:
**4:58**
